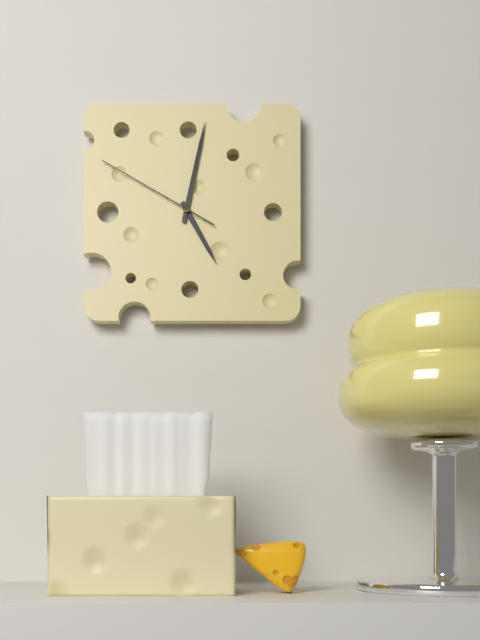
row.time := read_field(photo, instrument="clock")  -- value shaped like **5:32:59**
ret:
**5:02:50**
